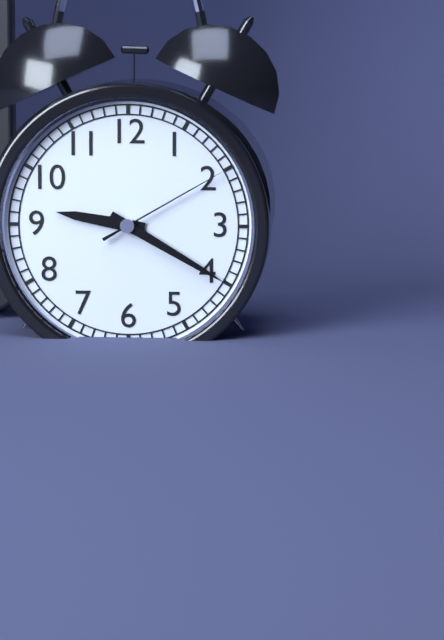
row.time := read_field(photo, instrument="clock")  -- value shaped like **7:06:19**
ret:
**9:20:10**
